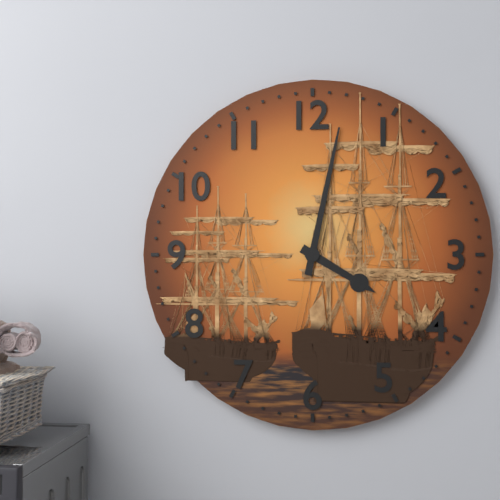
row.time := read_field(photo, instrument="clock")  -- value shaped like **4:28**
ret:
**4:02**
